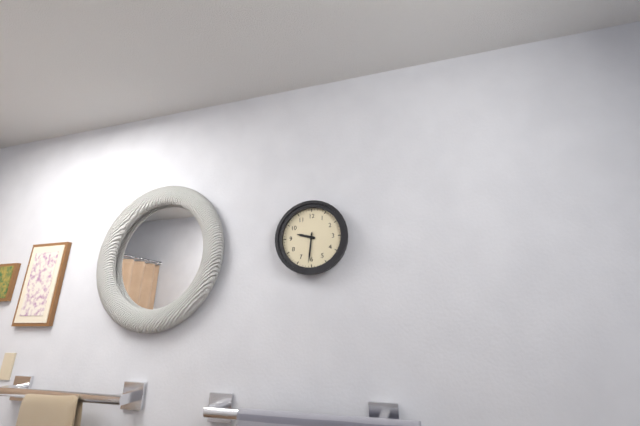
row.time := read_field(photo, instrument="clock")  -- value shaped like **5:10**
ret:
**9:31**
